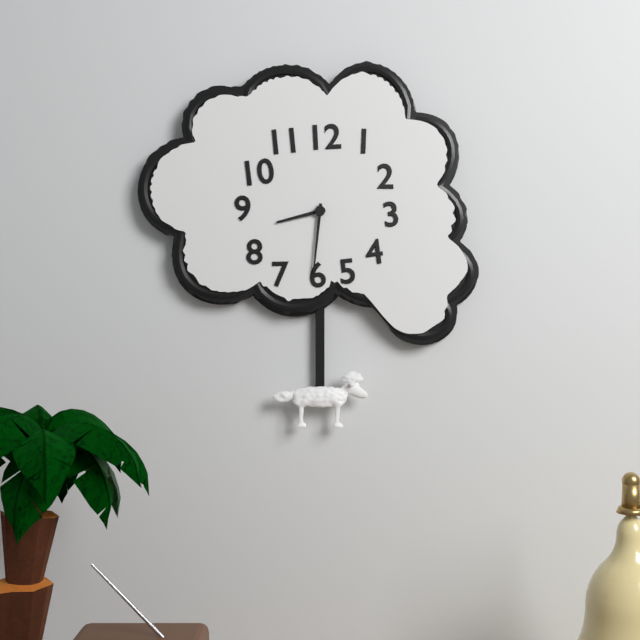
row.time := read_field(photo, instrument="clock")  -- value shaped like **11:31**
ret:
**8:31**
